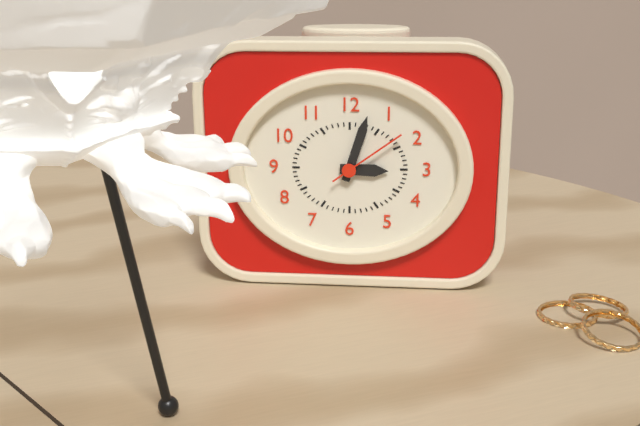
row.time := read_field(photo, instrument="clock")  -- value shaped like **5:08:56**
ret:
**3:03:09**
